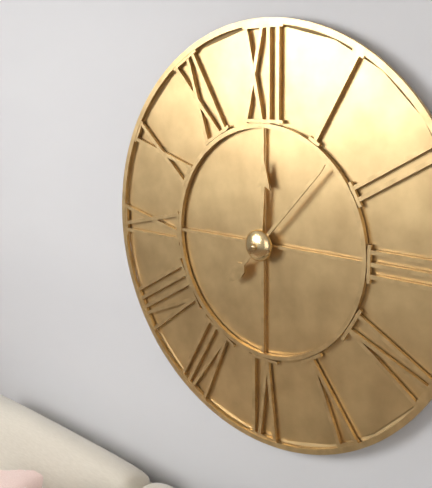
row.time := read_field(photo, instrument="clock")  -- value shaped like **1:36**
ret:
**12:07**
